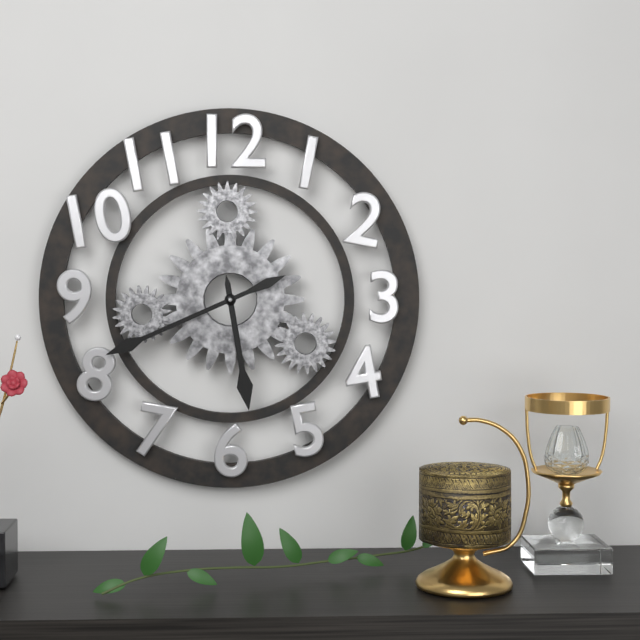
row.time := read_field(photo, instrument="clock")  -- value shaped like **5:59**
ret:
**5:41**
